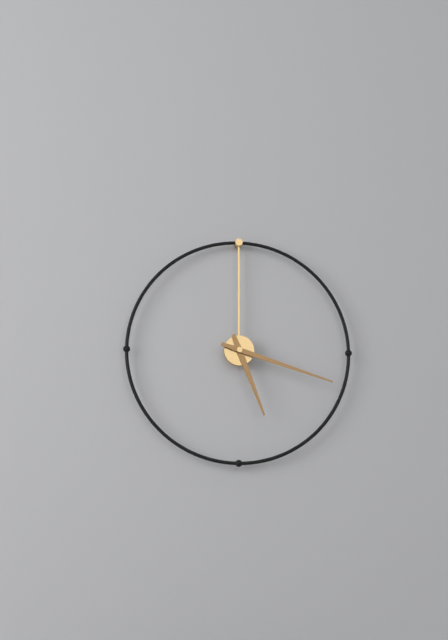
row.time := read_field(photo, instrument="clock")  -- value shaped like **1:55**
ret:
**5:18**
